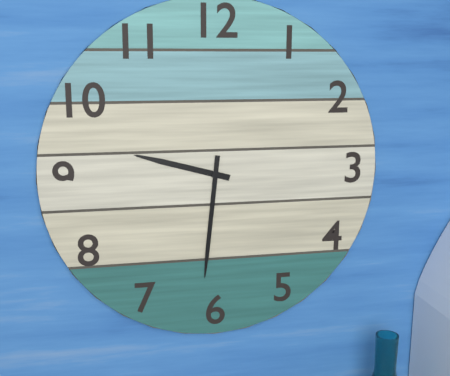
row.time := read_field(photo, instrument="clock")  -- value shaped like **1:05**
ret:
**9:31**
